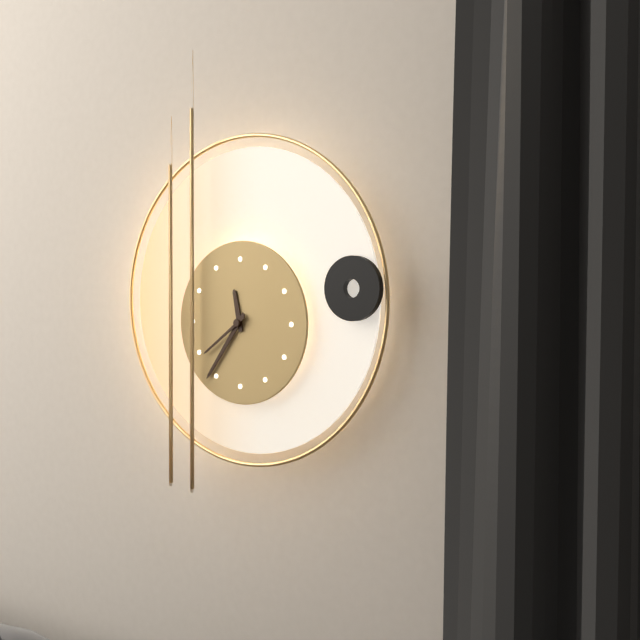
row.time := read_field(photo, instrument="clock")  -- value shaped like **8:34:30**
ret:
**11:36:39**
